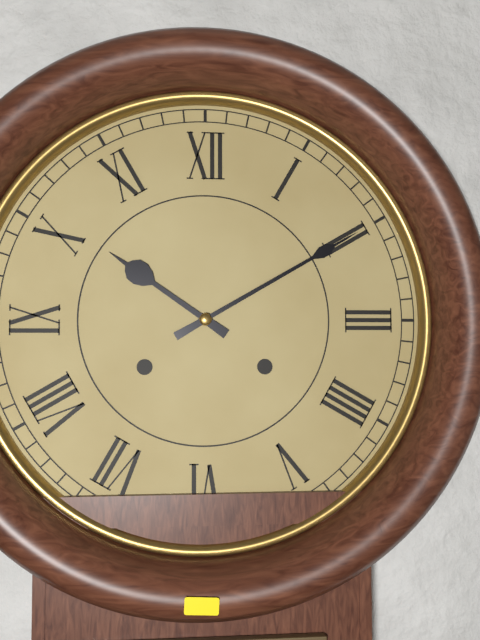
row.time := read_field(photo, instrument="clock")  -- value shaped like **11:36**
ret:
**10:10**
